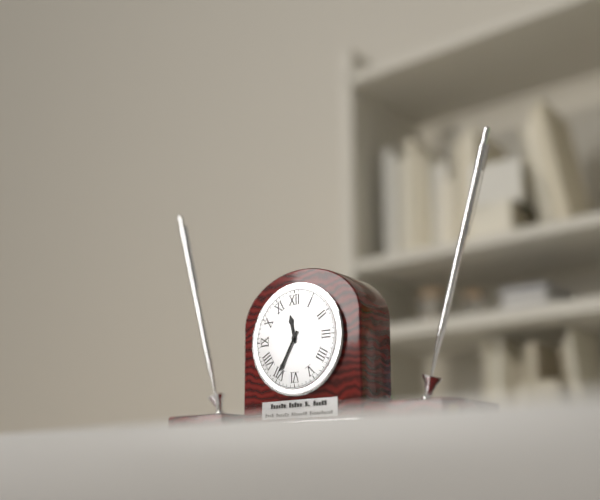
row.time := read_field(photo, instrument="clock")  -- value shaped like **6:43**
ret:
**11:35**
